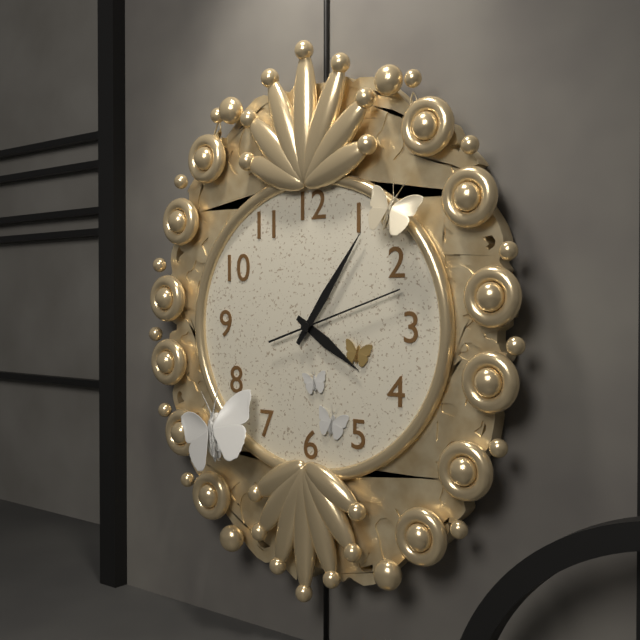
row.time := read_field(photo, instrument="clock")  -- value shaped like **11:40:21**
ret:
**4:06:12**
